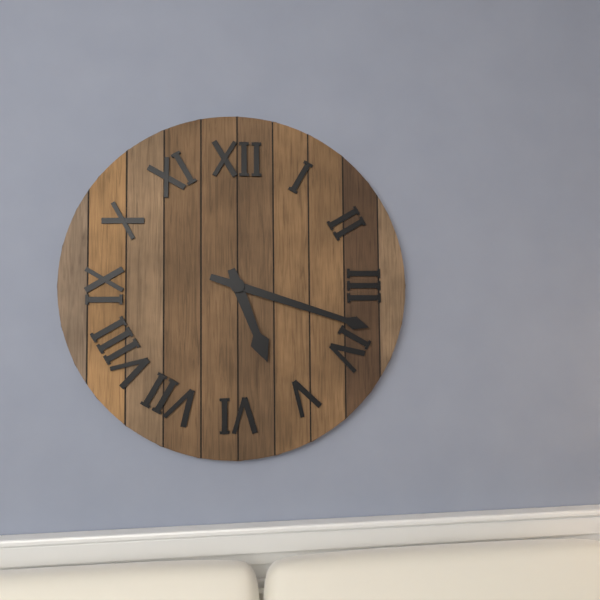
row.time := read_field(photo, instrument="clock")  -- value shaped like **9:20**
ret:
**5:18**
